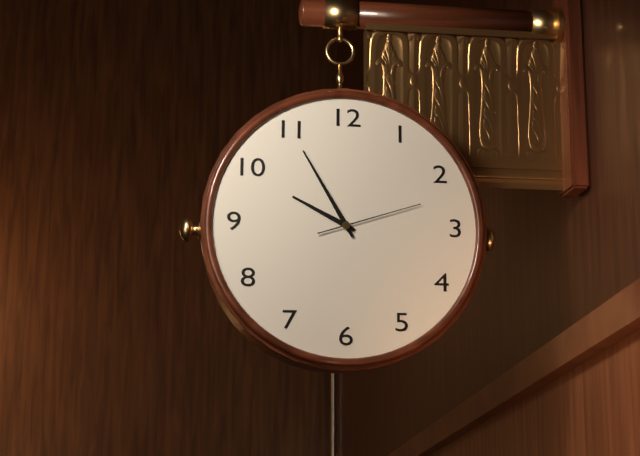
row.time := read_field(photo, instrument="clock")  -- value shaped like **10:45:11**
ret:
**9:55:12**
